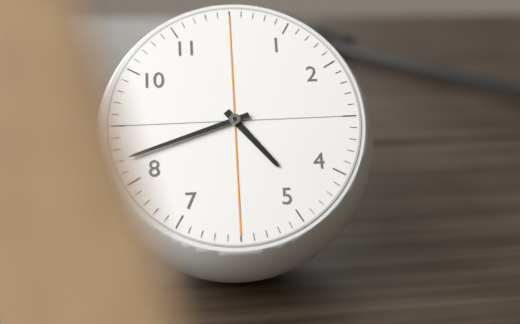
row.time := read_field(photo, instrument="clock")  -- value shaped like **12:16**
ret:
**4:42**
